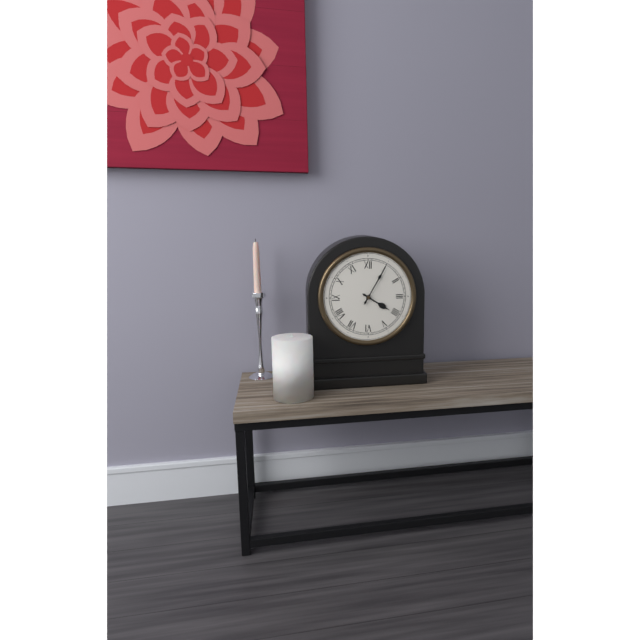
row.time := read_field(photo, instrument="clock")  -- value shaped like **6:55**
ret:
**4:05**
